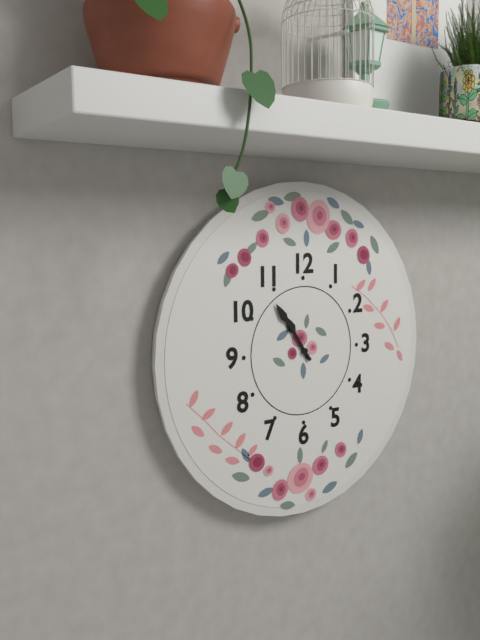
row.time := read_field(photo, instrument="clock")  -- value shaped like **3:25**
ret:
**10:54**
